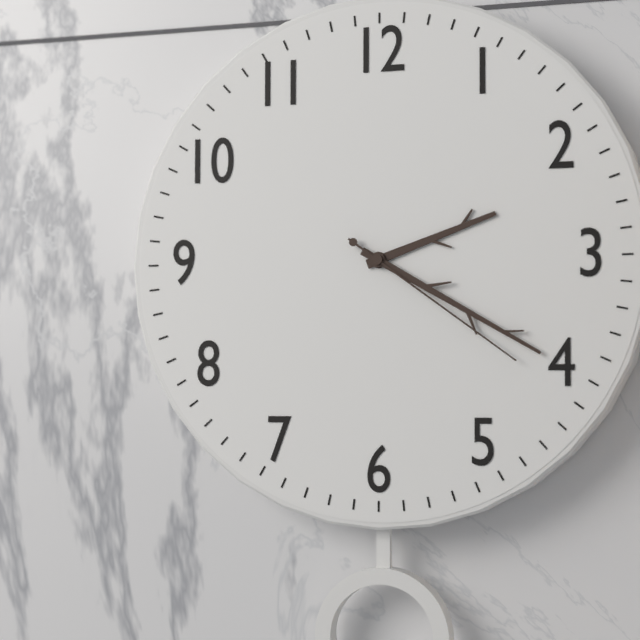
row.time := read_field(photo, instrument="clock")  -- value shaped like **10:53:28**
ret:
**2:20:21**
